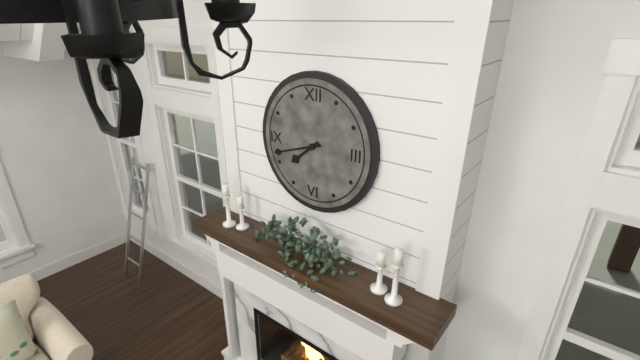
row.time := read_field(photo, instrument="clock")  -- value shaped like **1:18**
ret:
**7:42**
